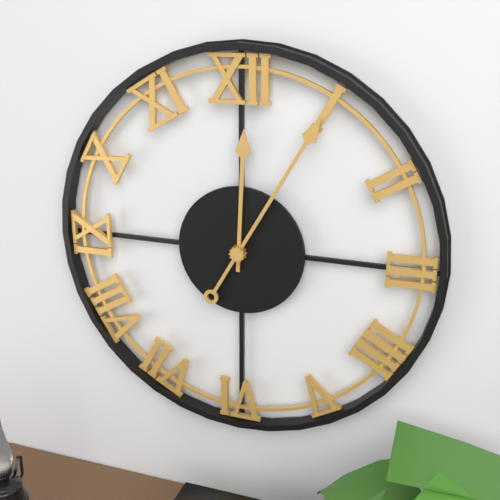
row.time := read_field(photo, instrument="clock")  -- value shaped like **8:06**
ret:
**12:05**
